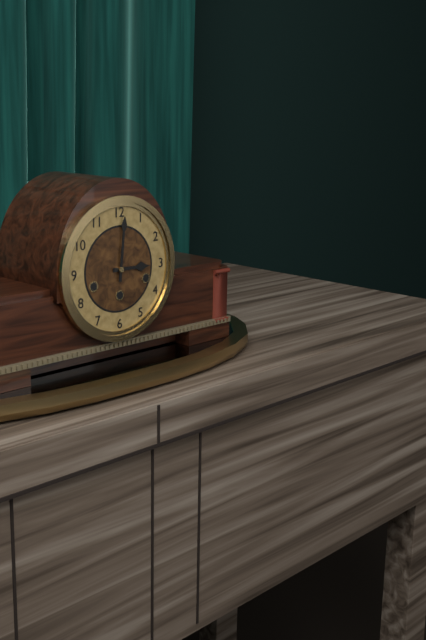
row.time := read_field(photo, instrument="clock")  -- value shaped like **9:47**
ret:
**3:01**
